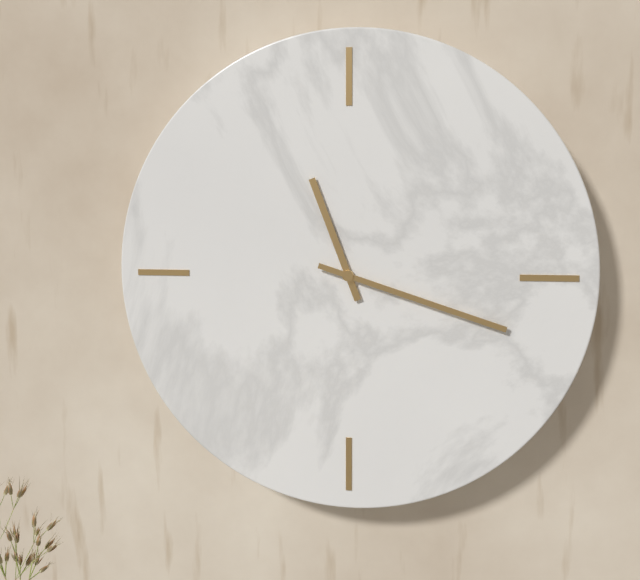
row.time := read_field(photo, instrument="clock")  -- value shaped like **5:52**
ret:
**11:18**
